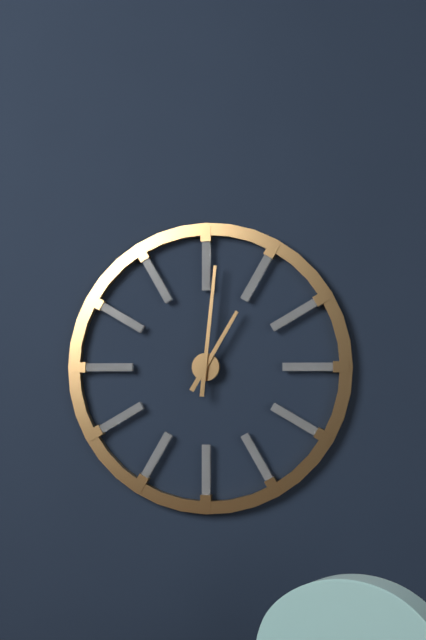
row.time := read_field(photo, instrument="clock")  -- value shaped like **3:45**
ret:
**1:01**
